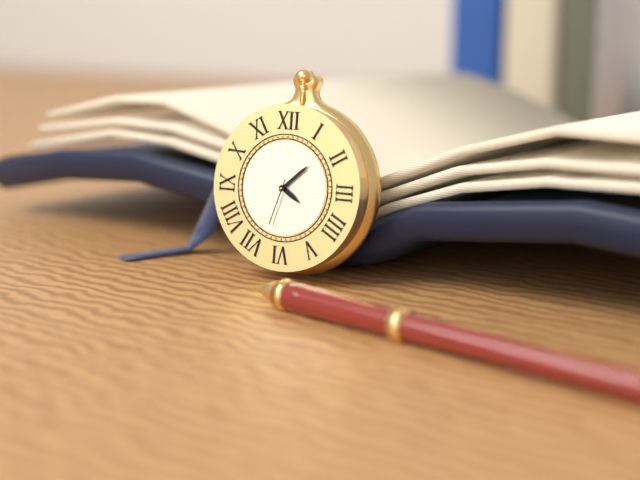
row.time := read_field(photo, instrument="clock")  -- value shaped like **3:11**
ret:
**4:08**
